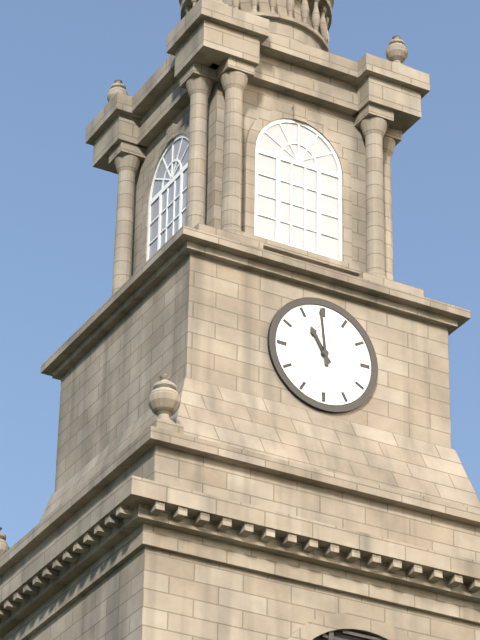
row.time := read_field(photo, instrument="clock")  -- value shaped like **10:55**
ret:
**10:59**
